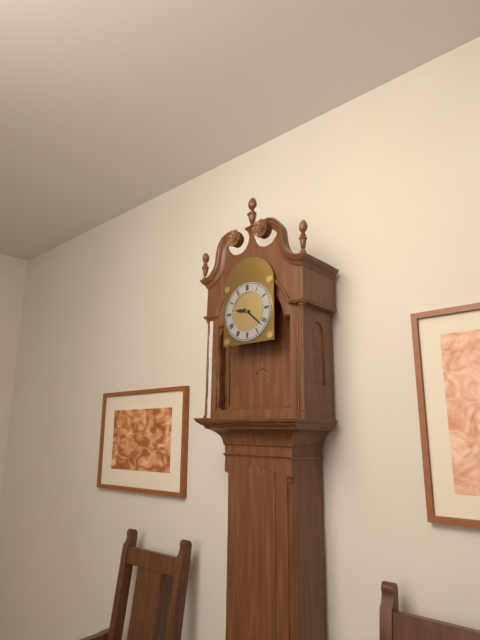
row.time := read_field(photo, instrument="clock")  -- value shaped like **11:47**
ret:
**9:22**
